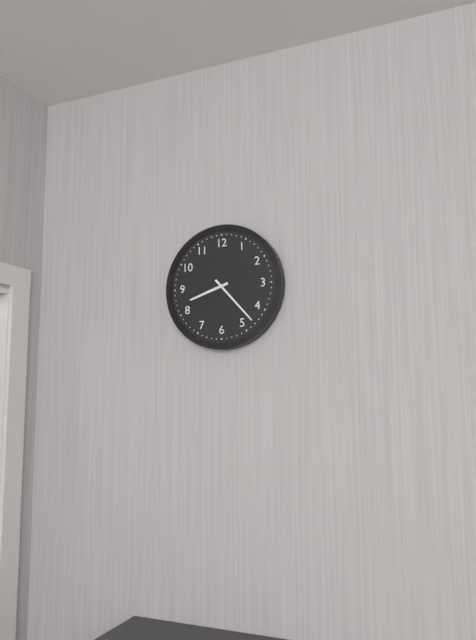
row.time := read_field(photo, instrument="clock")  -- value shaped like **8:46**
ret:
**8:23**
